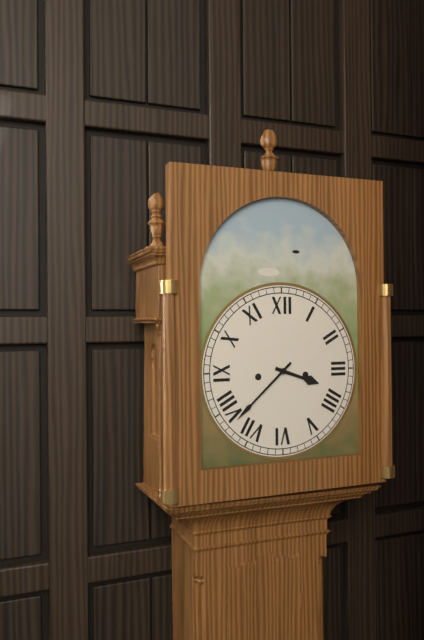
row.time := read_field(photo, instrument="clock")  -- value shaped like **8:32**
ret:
**3:38**
